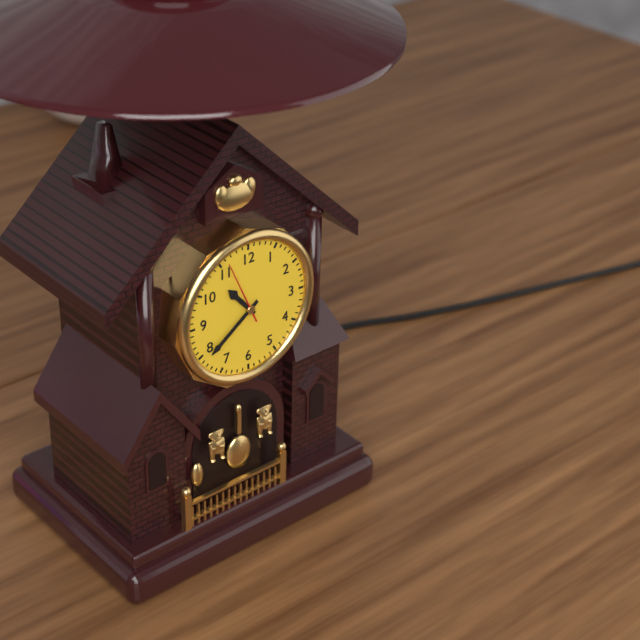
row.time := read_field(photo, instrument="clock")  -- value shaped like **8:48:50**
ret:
**10:39:56**
